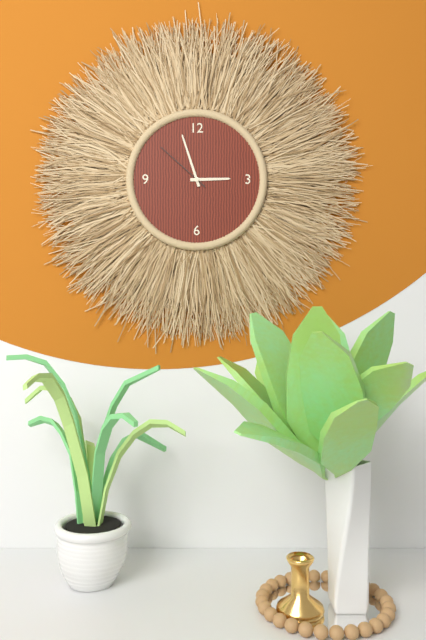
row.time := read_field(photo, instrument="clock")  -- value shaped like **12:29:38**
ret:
**2:57:52**
